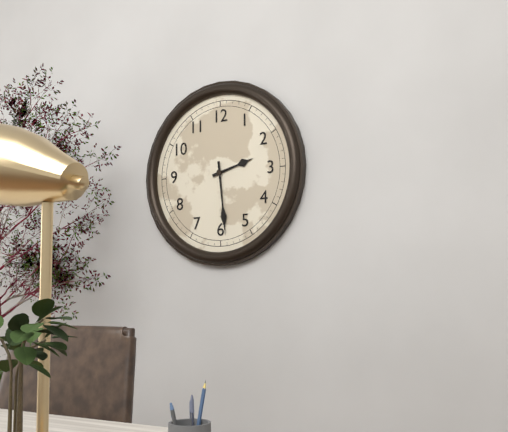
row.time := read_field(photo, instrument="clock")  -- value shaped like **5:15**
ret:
**2:29**
